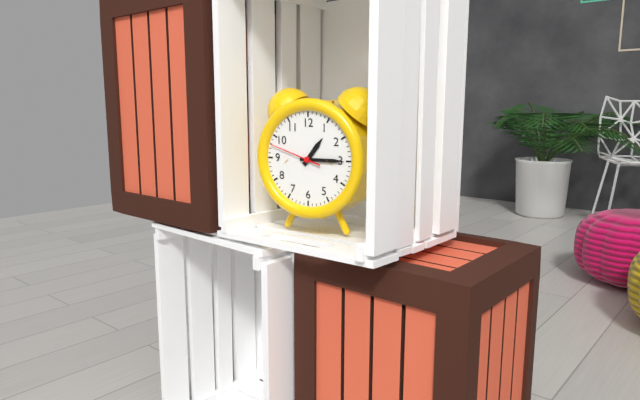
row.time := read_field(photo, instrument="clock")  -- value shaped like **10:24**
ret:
**1:15**
